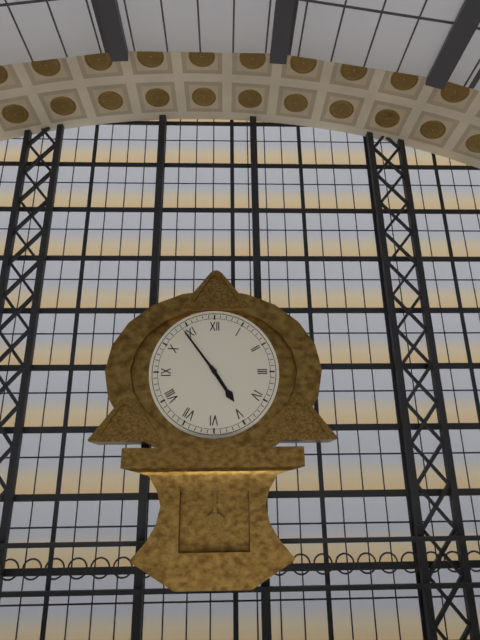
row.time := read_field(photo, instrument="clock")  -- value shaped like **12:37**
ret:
**4:54**
